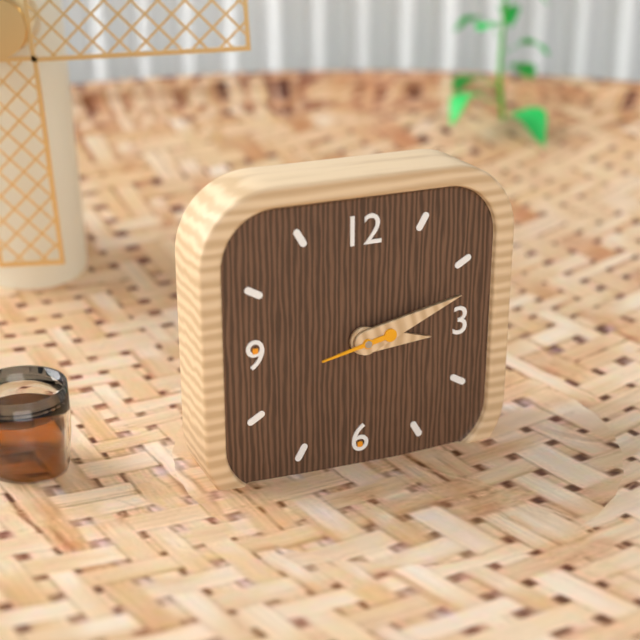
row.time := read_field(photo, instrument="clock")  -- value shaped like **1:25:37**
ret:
**3:12:43**
